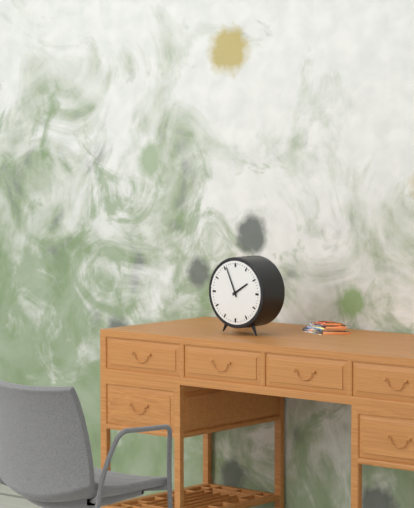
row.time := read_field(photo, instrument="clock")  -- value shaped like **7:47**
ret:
**1:56**
